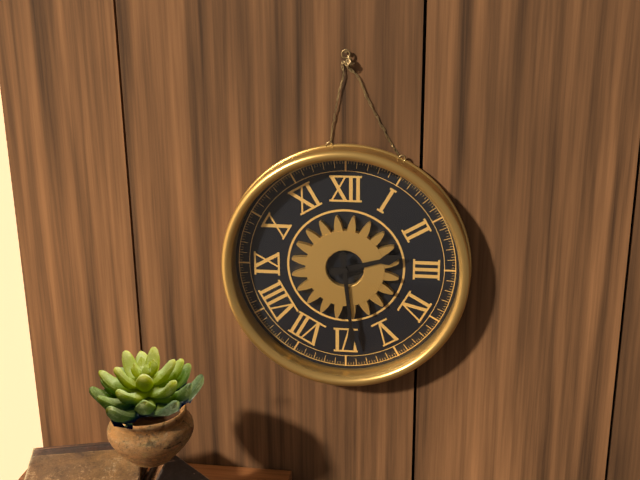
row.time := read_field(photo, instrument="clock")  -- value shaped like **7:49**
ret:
**2:29**
